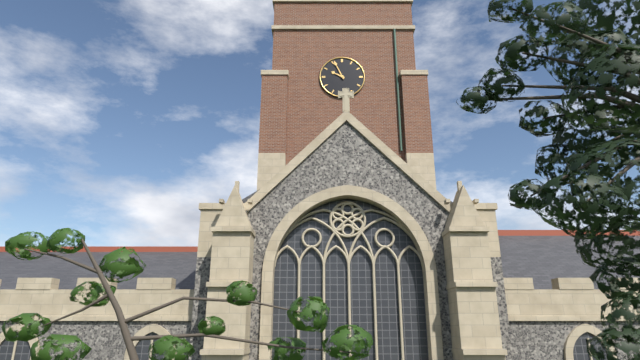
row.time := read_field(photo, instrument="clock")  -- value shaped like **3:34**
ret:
**9:56**
